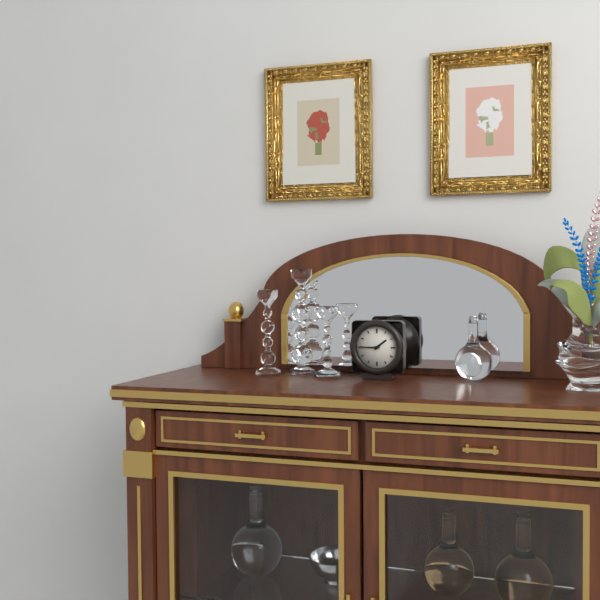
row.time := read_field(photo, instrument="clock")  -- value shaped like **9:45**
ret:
**1:45**
